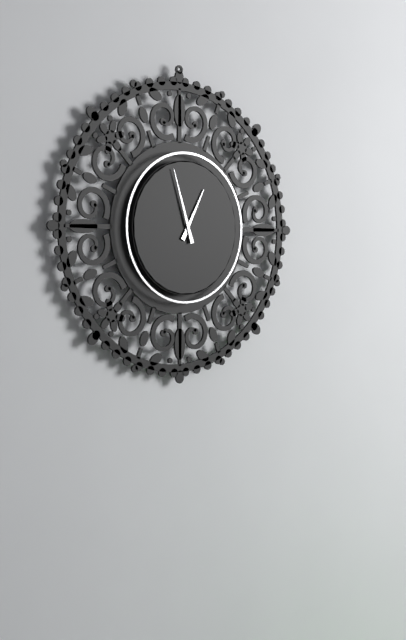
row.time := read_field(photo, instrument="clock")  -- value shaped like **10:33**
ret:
**12:57**
